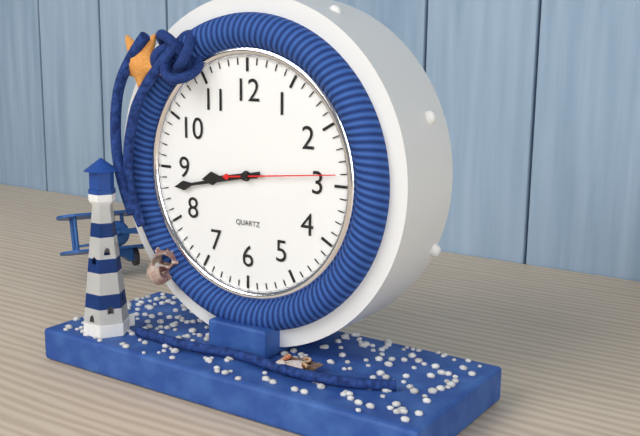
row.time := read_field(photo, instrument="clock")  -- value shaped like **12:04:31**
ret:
**8:43:14**
